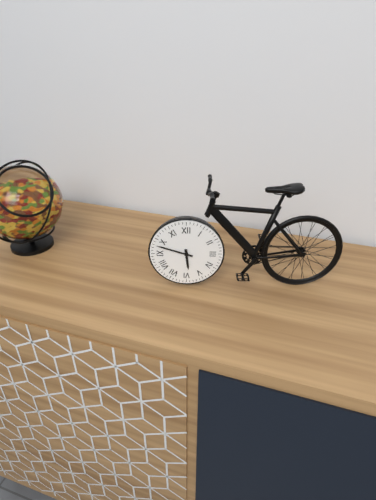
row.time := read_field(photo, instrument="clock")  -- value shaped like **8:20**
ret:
**5:48**
